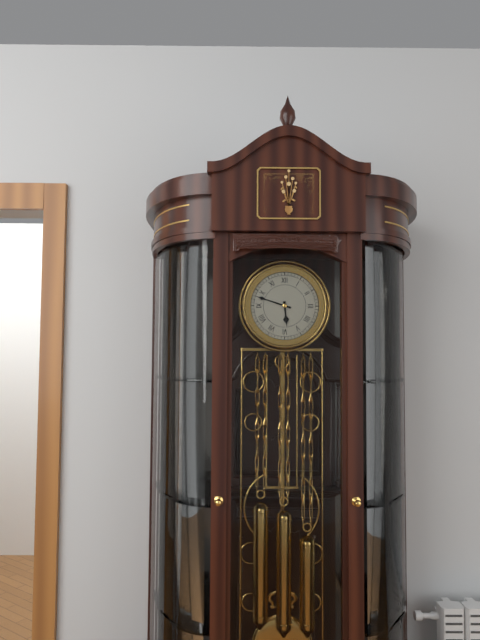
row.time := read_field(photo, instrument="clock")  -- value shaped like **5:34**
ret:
**5:48**
